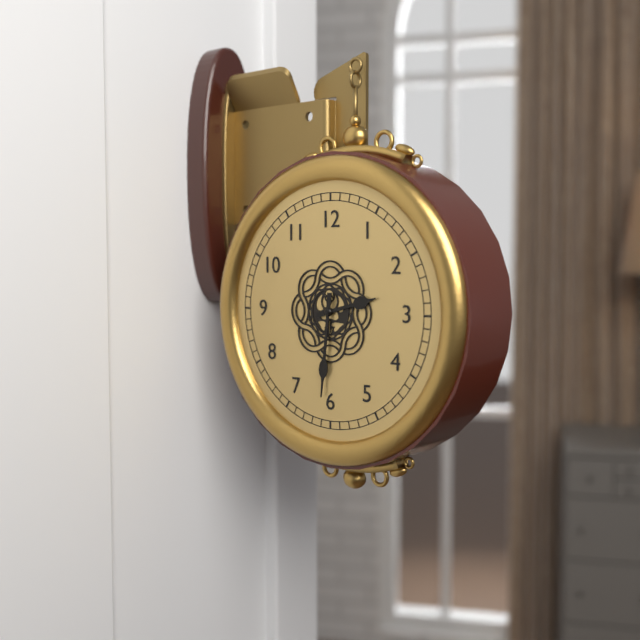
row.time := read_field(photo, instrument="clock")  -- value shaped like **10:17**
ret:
**2:31**
